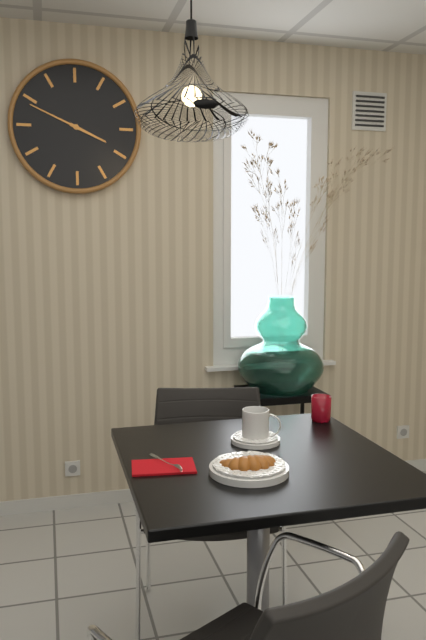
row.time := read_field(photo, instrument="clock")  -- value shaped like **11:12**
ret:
**3:49**
